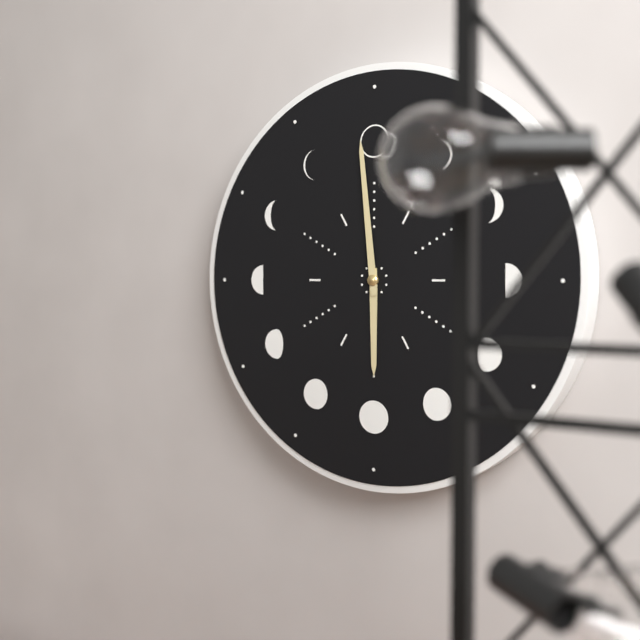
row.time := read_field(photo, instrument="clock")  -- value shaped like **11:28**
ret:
**5:59**
